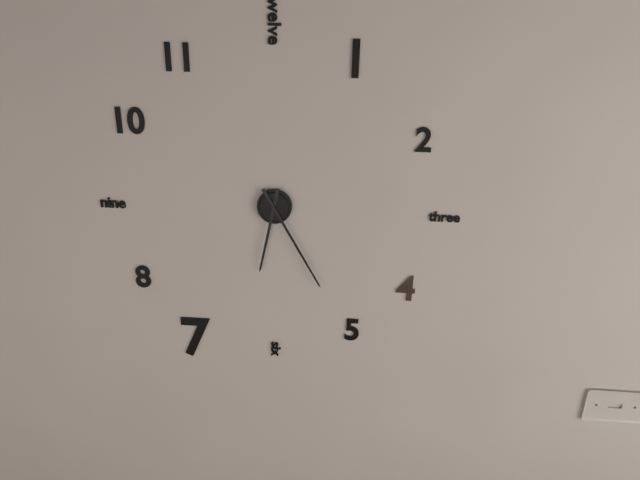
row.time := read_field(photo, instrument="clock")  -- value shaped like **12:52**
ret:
**6:25**
